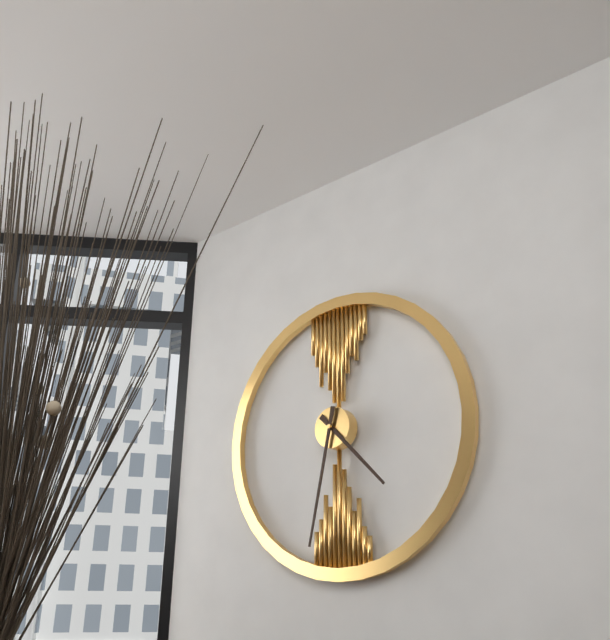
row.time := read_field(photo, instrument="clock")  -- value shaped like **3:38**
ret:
**4:32**
